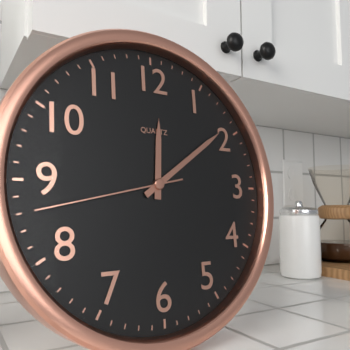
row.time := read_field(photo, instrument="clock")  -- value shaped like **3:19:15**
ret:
**12:09:43**
